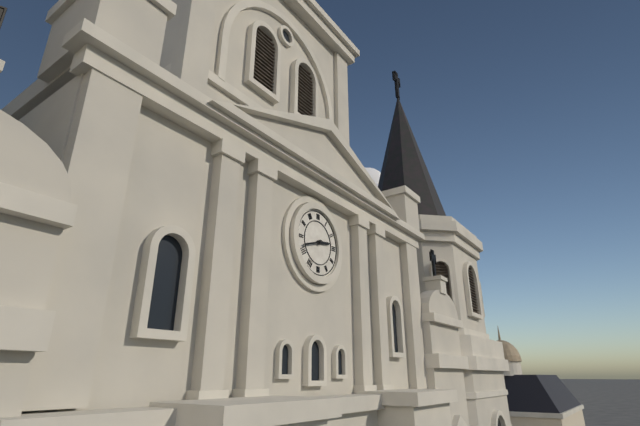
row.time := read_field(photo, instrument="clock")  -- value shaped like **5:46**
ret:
**2:42**
